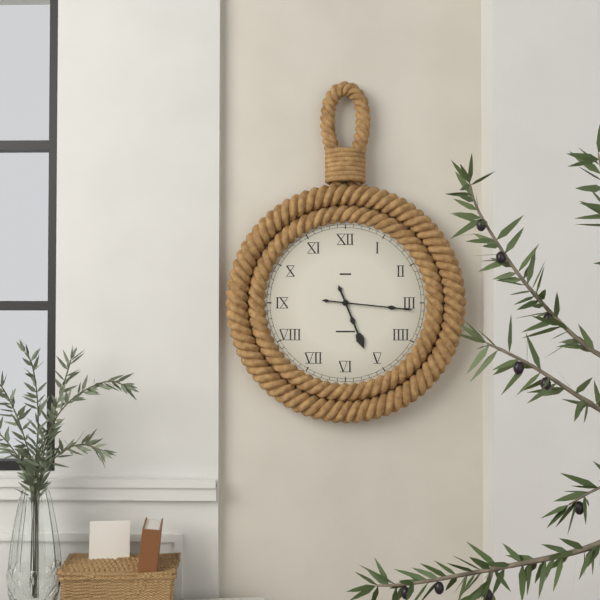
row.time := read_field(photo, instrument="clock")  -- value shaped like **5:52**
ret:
**5:16**
